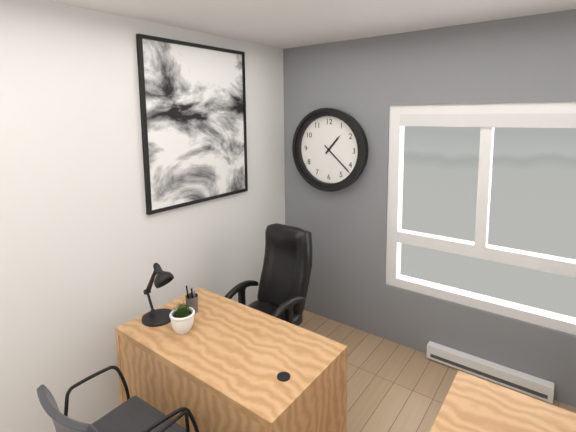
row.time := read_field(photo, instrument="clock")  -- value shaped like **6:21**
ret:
**1:22**
